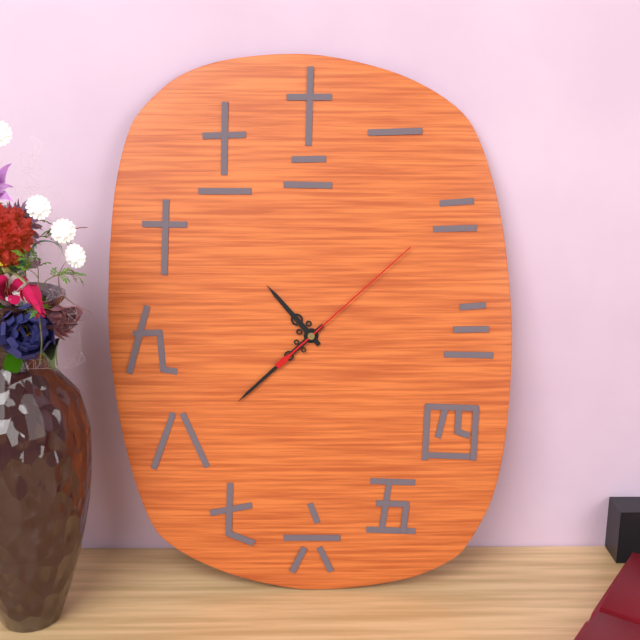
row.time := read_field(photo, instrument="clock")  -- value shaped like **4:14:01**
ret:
**10:38:08**
